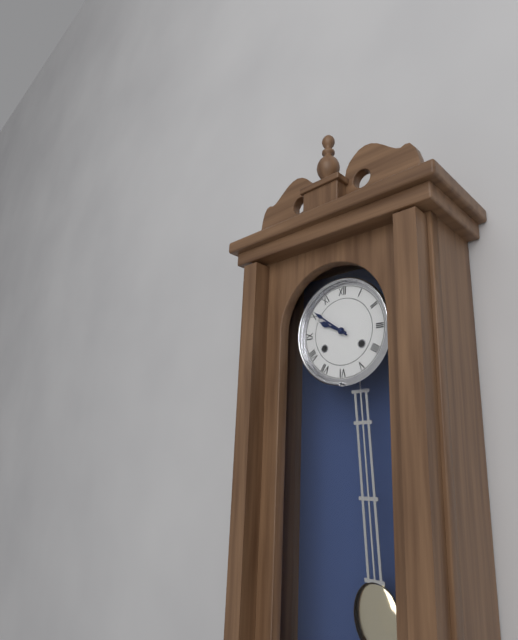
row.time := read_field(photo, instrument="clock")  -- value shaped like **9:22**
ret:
**9:51**
